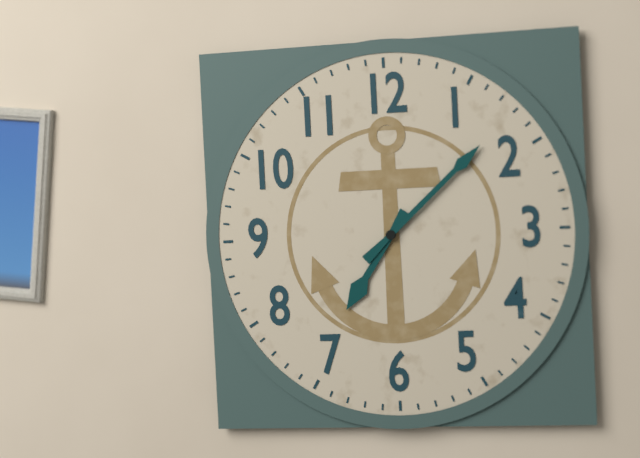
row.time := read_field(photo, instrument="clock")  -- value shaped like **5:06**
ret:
**7:08**
